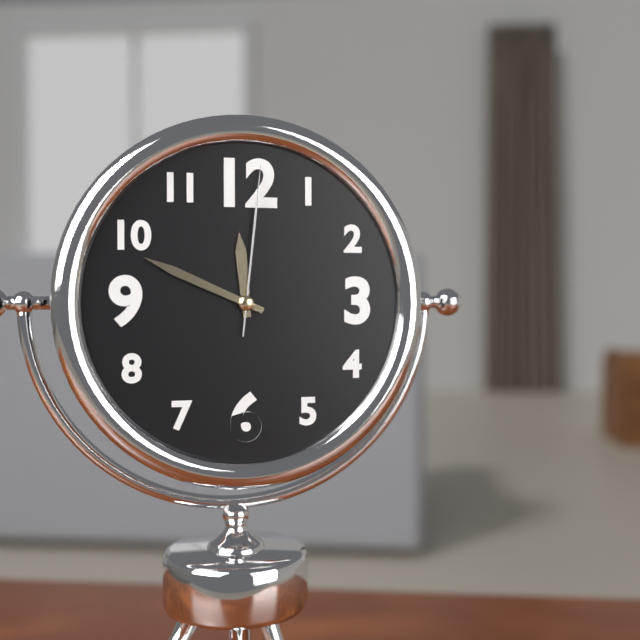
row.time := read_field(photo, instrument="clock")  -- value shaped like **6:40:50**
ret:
**11:49:01**
